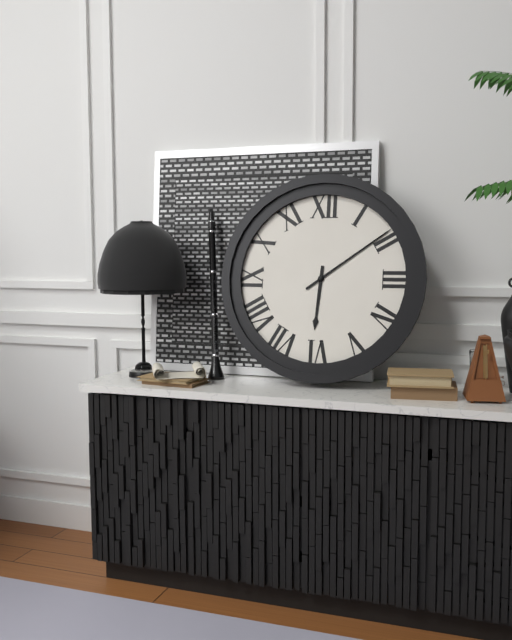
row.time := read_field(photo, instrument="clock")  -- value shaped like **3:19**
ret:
**6:09**
